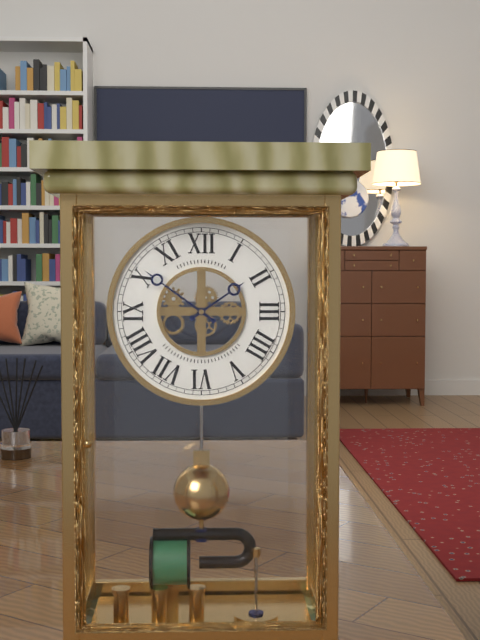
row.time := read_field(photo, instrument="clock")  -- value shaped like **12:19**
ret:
**1:51**
